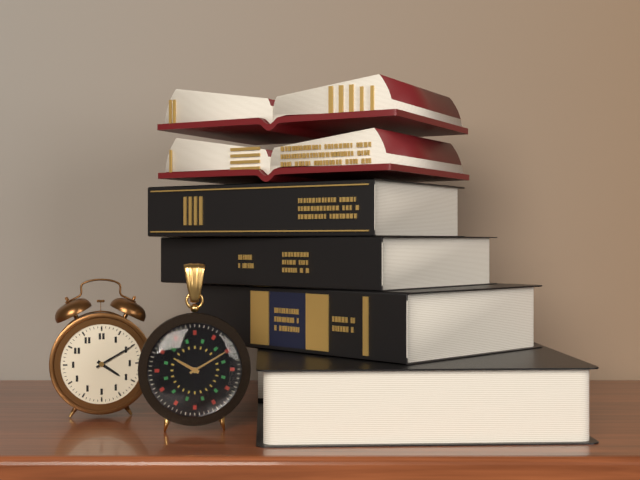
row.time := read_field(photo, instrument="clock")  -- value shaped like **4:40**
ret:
**4:10**
